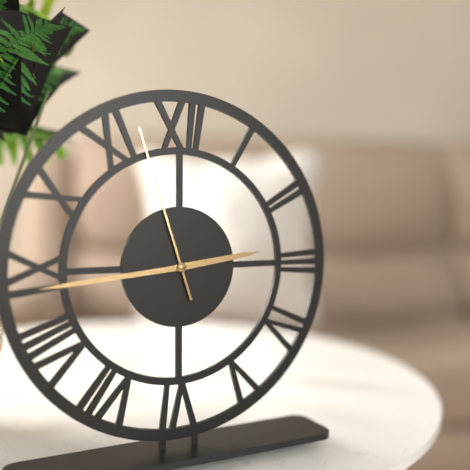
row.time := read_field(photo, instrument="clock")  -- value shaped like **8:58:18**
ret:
**2:44:57**
